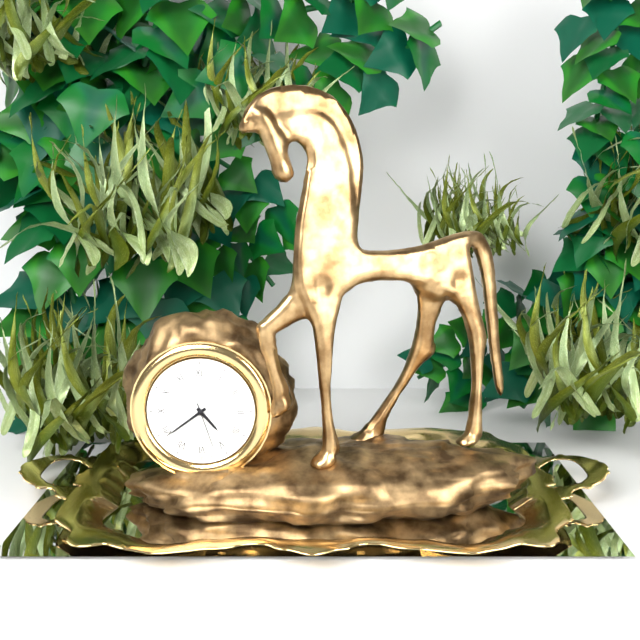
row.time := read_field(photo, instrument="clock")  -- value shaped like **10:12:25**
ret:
**4:39:27**
